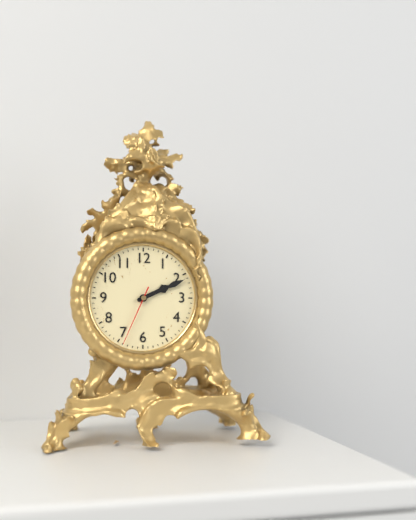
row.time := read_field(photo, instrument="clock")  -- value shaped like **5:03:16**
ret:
**2:11:34**
